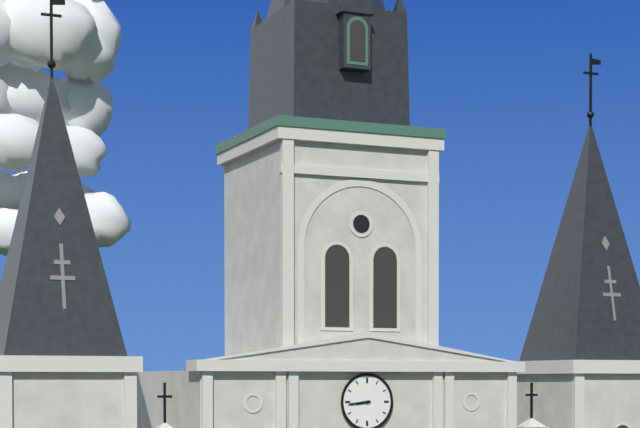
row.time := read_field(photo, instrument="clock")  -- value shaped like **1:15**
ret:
**8:44**
